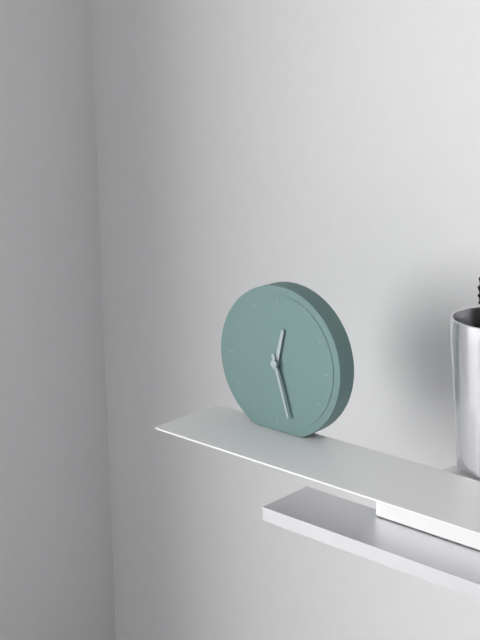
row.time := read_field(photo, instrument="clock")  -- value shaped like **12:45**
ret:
**12:27**
